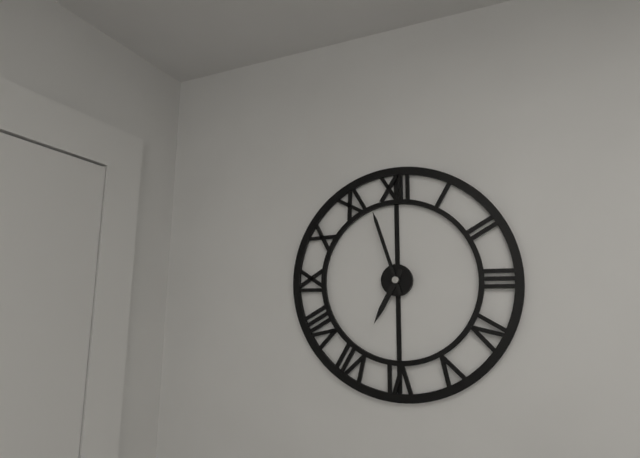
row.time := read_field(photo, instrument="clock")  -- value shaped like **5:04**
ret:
**6:57**
